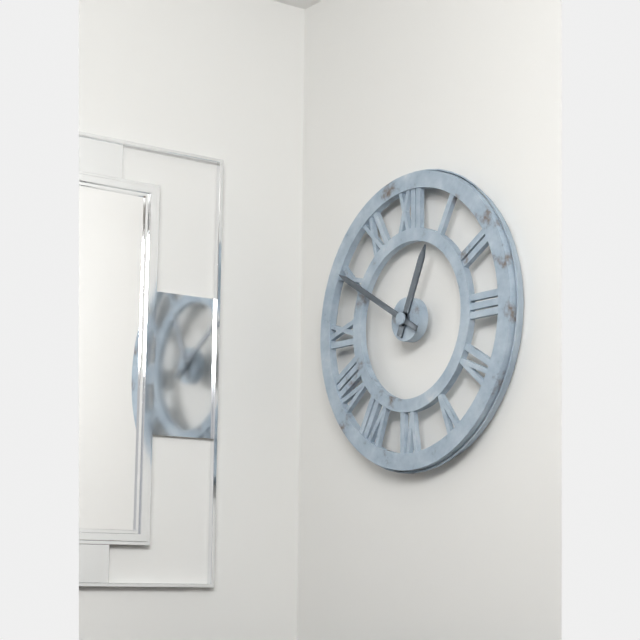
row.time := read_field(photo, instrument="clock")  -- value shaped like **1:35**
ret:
**12:50**
